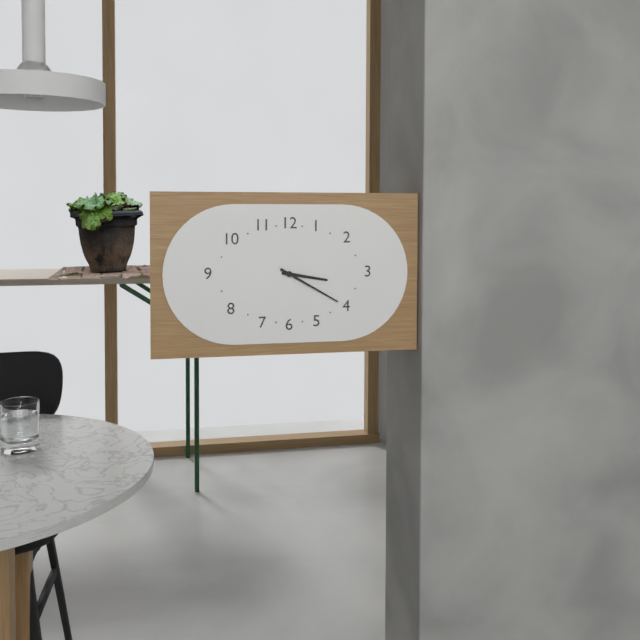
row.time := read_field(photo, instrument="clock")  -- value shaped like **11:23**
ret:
**3:20**
